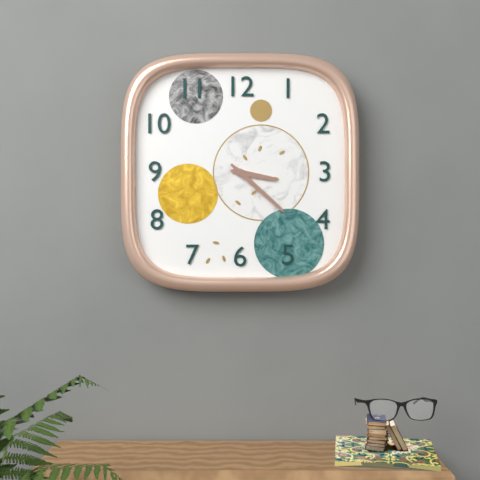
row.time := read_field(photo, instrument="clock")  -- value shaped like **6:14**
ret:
**3:22**
